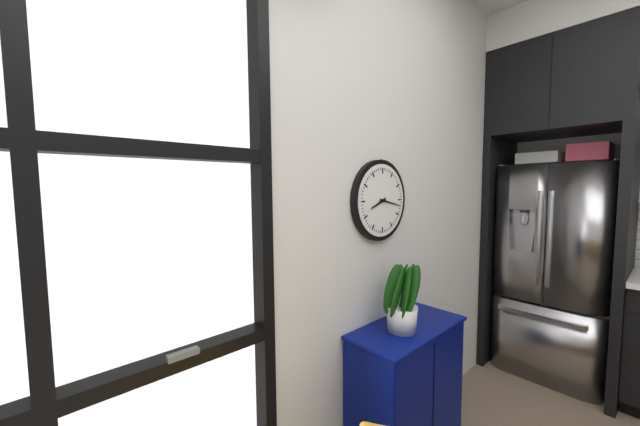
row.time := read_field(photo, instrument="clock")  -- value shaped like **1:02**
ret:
**8:17**
